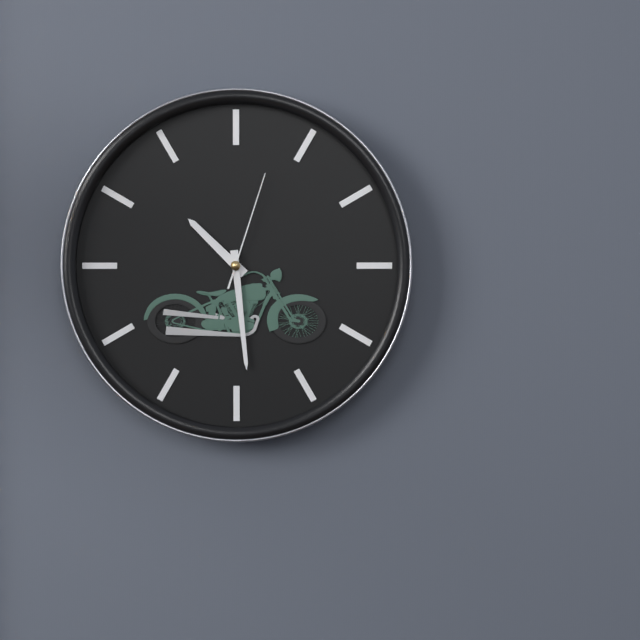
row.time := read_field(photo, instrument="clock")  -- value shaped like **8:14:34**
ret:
**10:29:03**
